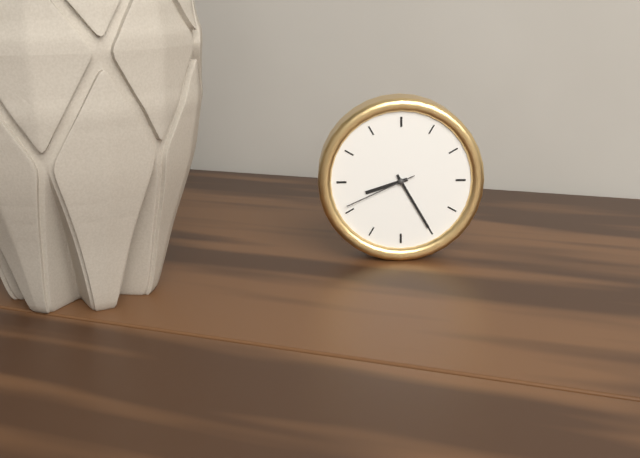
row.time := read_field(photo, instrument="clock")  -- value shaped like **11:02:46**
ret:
**8:25:41**
